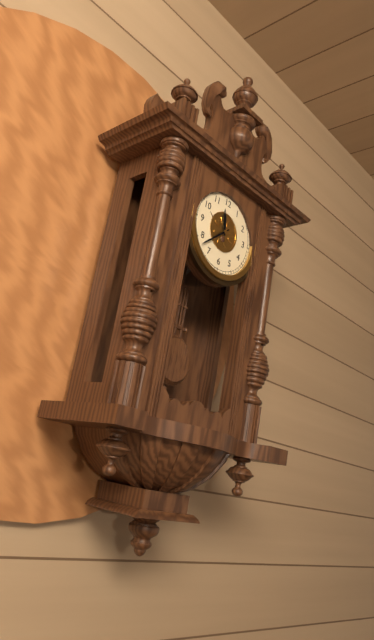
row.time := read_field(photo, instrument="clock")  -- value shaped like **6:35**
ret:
**11:38**
